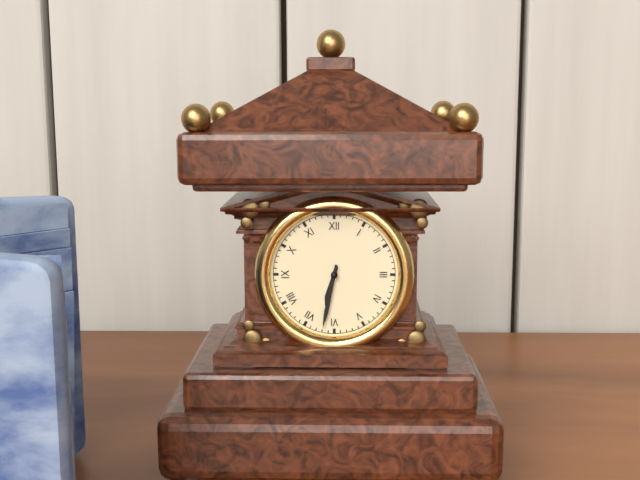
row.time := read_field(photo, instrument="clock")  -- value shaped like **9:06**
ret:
**6:32**
